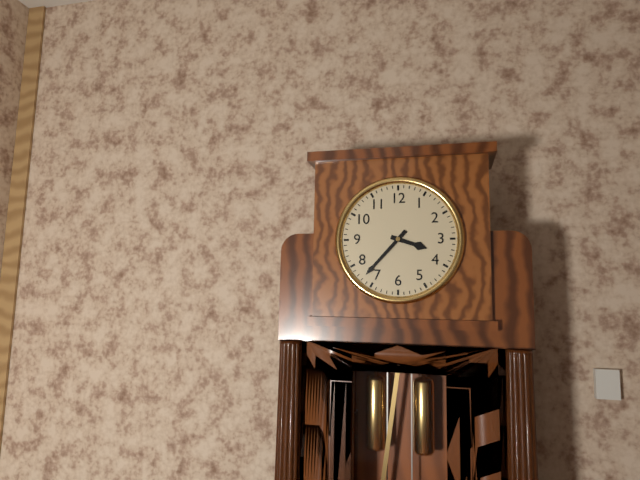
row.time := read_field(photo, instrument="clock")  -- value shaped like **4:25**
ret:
**3:37**
